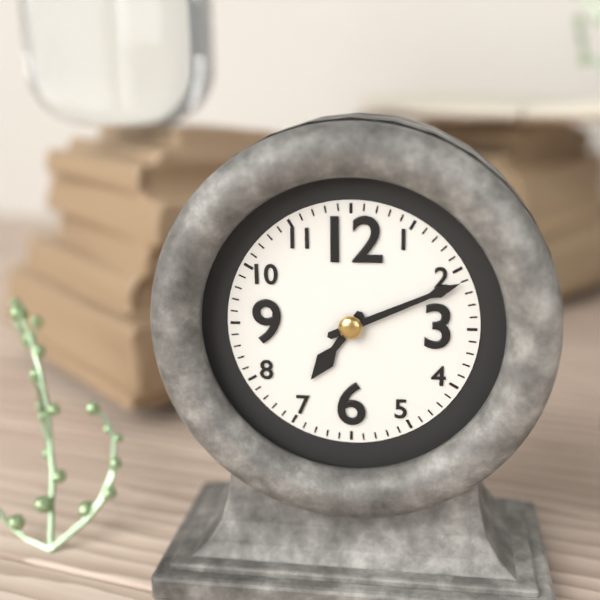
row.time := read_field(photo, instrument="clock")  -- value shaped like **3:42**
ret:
**7:11**
